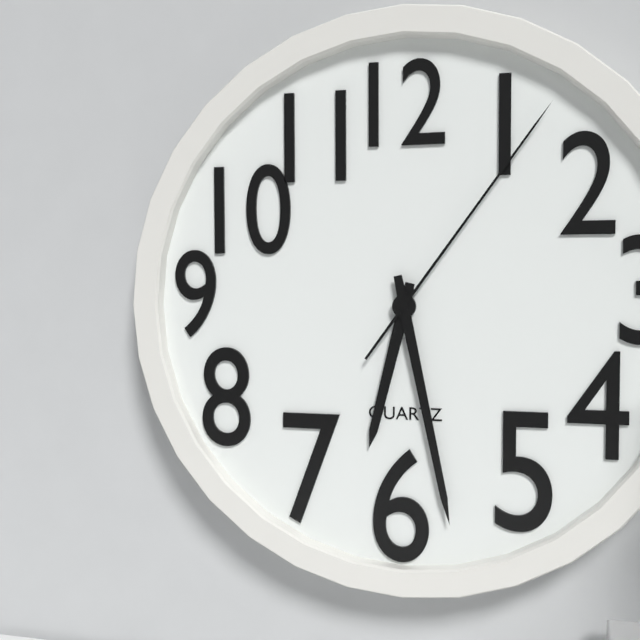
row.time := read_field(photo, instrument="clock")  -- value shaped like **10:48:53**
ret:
**6:28:06**
